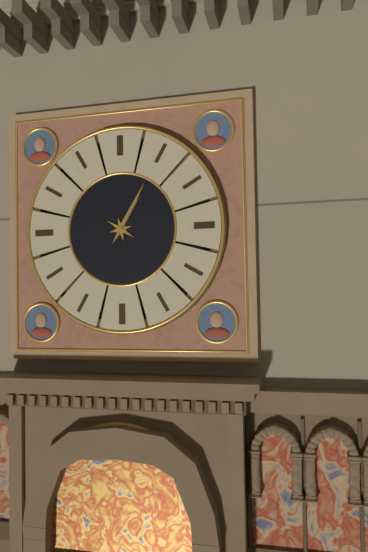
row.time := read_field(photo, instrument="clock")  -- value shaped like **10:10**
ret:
**1:05**
